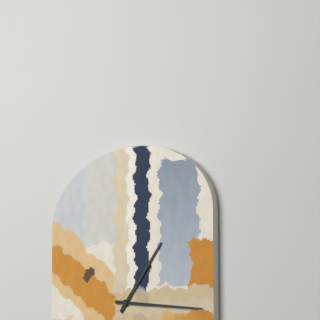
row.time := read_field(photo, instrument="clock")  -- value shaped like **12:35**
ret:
**1:16**
